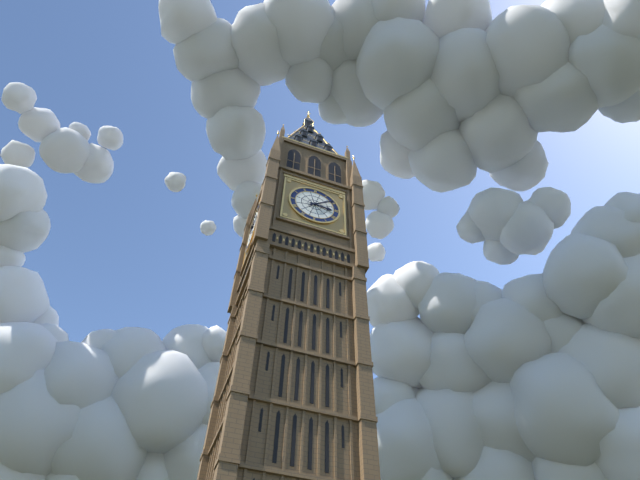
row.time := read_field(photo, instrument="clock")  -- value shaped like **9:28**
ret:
**3:09**
